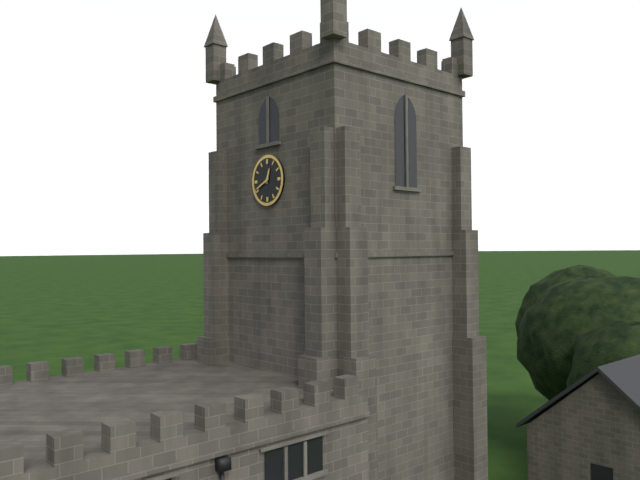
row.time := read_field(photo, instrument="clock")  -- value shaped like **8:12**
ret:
**12:41**
